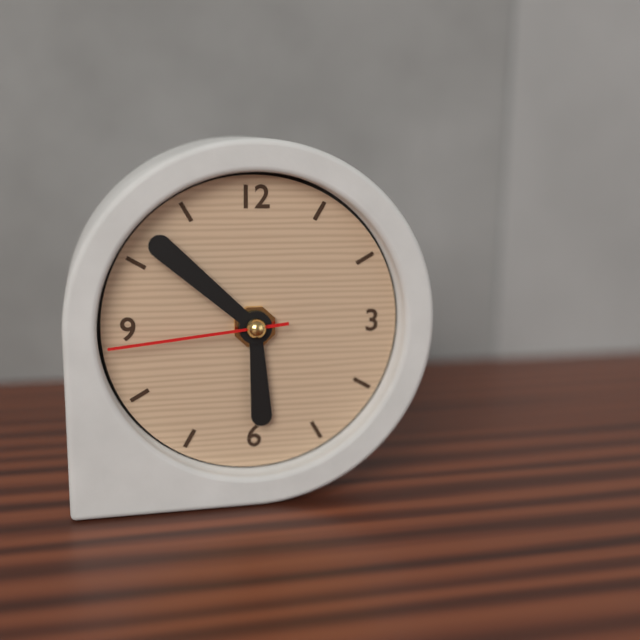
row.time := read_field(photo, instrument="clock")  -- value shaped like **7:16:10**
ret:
**5:52:44**
